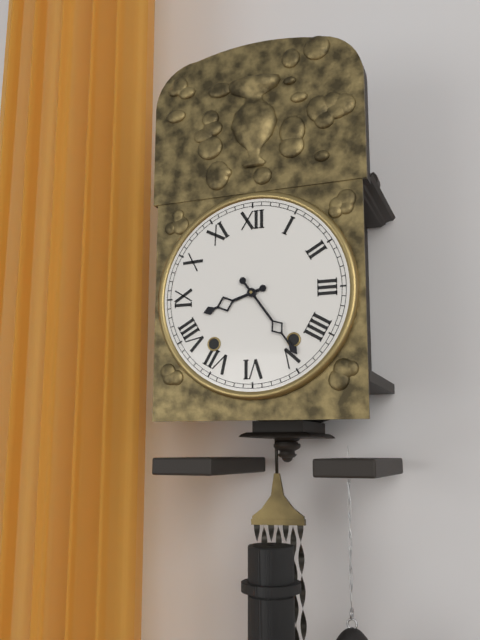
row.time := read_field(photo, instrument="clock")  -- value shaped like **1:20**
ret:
**8:24**
